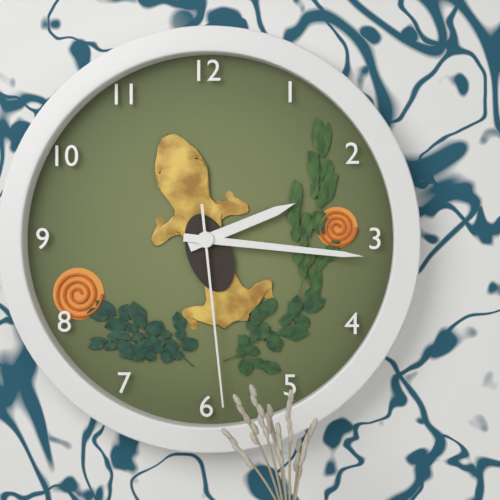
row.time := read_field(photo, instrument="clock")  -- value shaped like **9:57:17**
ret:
**2:16:29**
